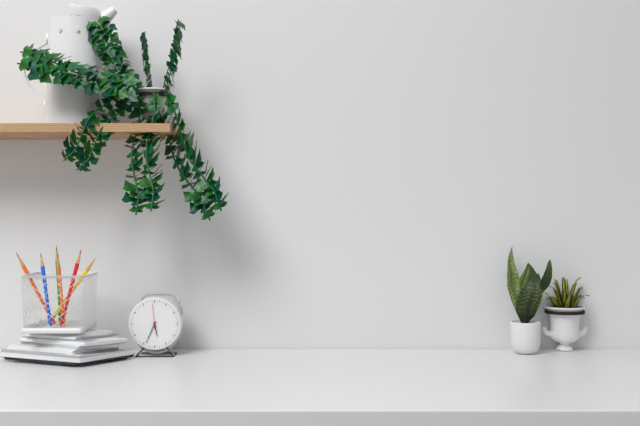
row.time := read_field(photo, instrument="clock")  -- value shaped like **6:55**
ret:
**5:34**
